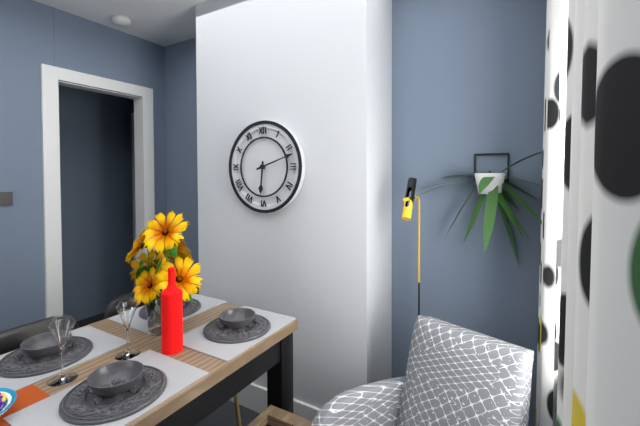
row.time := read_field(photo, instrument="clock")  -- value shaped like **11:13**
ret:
**6:12**
